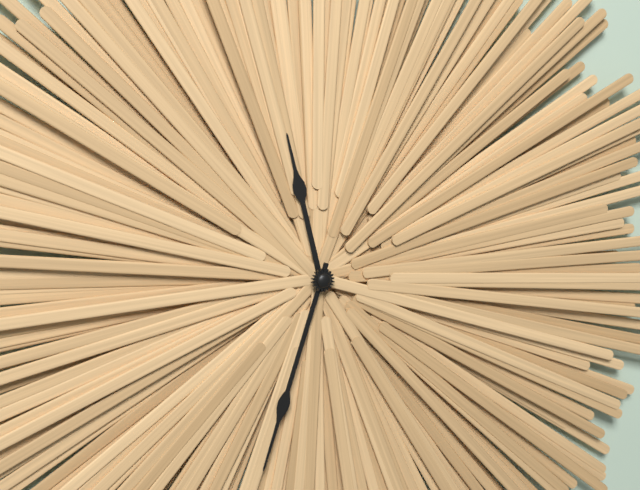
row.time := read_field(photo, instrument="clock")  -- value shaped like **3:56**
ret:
**11:33**
